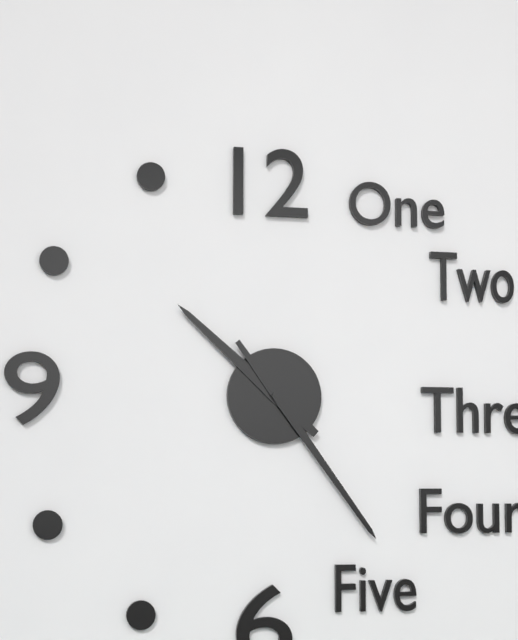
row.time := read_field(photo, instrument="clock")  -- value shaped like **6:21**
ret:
**10:24**
